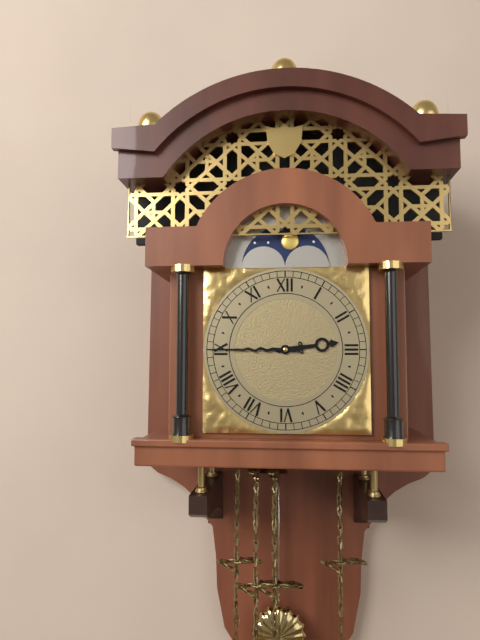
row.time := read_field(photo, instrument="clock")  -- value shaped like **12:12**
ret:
**2:45**
